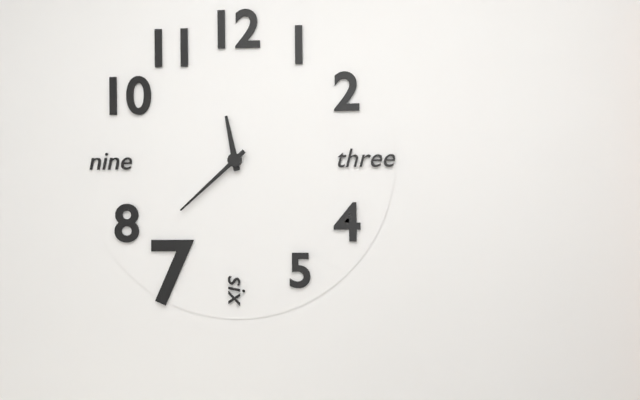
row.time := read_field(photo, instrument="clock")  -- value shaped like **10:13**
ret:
**11:38**
